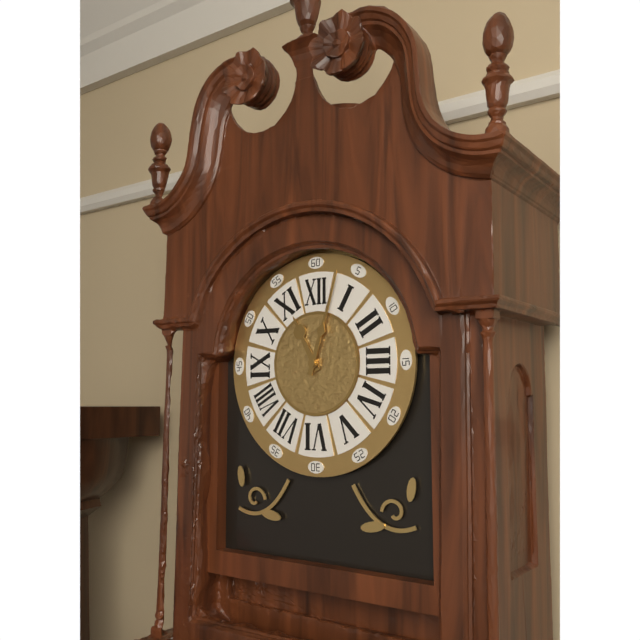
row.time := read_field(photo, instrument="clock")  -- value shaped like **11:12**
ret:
**11:03**
